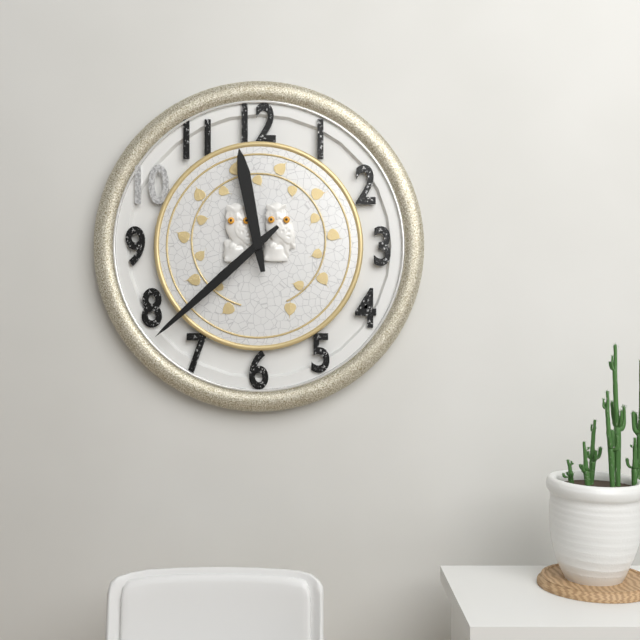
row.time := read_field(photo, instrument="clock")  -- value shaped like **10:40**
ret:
**11:38**
